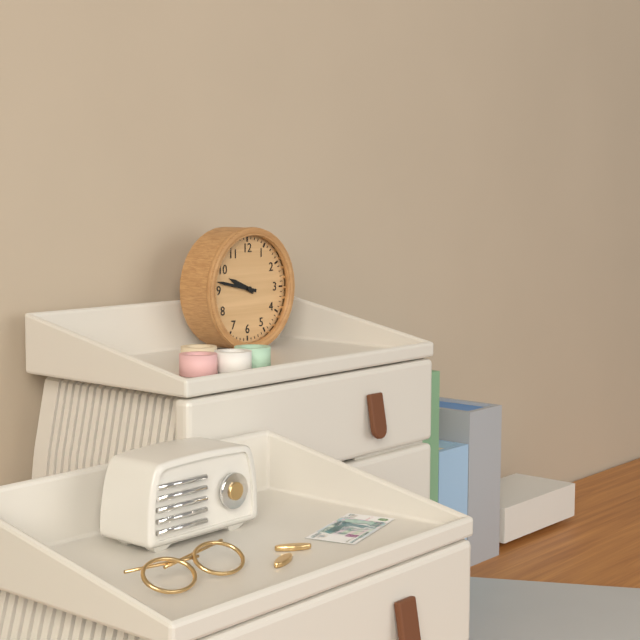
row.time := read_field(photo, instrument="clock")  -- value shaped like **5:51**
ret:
**9:47**
